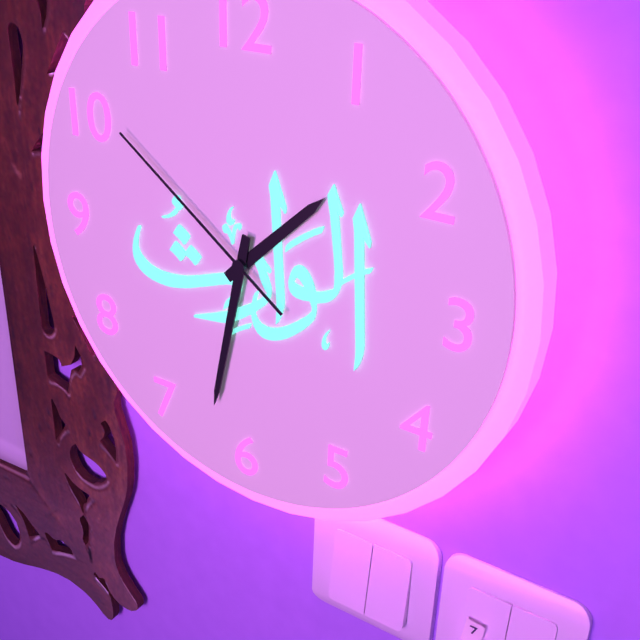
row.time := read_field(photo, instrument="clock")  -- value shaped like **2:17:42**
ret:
**1:32:51**
